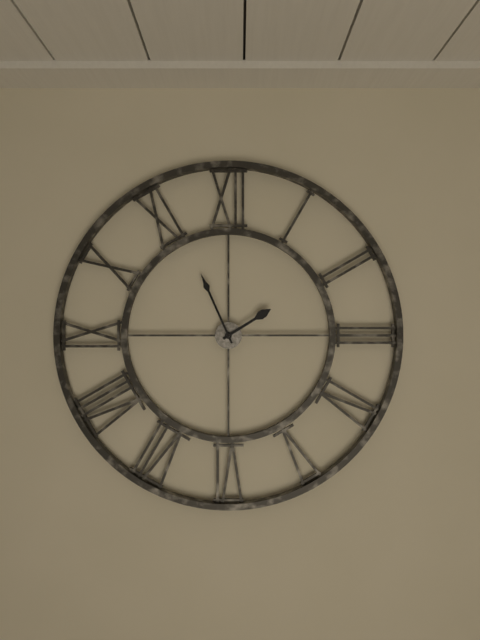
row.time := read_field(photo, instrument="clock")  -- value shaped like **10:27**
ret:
**1:56**
